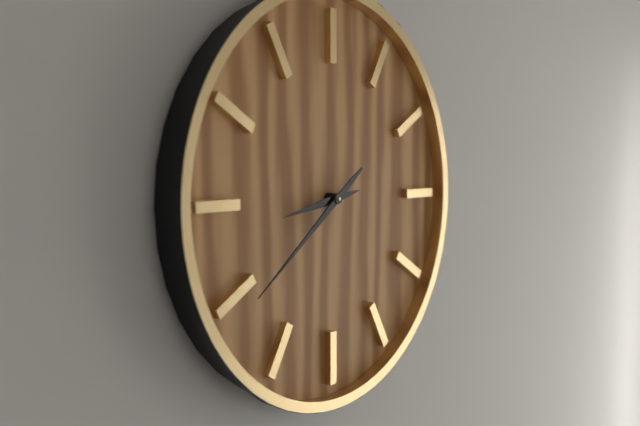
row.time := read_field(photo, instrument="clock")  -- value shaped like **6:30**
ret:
**8:39**
